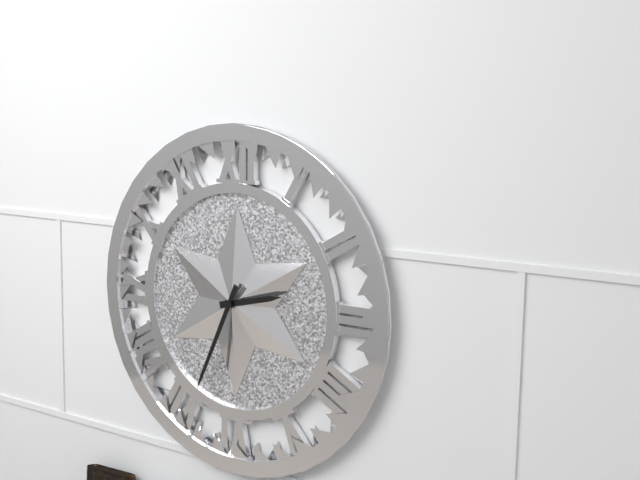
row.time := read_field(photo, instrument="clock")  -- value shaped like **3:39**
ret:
**2:34**
